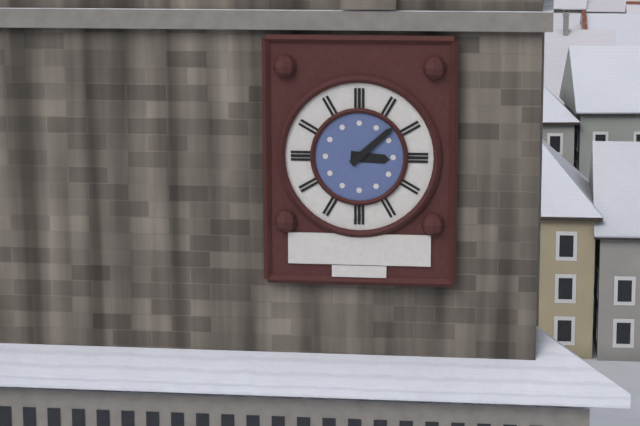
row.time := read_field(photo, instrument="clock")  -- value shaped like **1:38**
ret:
**3:08**
